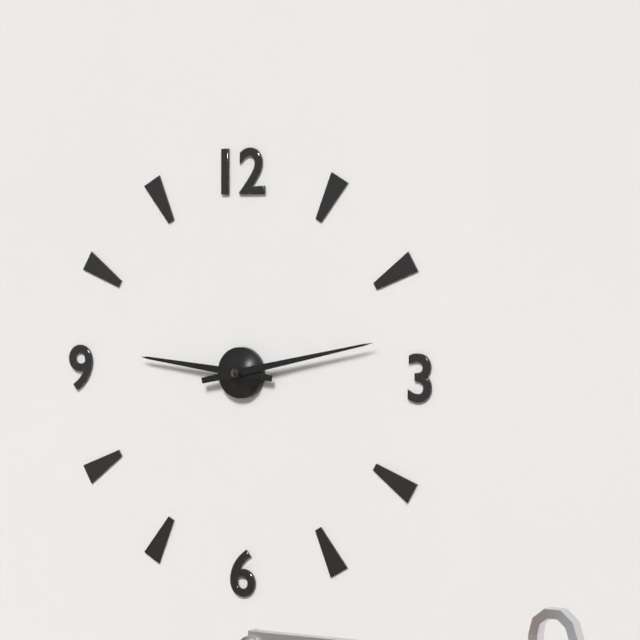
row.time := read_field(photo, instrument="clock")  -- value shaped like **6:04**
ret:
**9:13**
